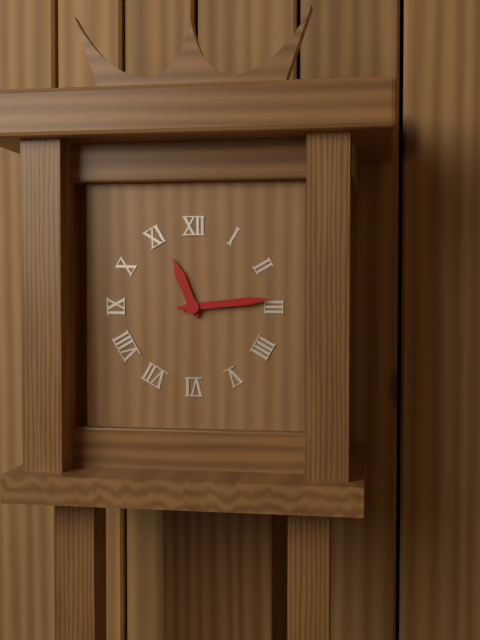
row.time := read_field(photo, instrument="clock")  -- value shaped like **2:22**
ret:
**11:14**
